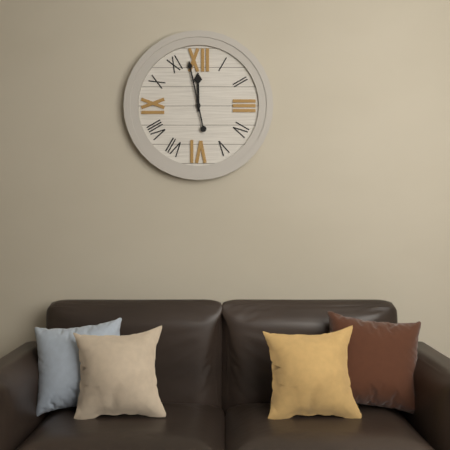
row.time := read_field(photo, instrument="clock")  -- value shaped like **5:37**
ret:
**11:58**
